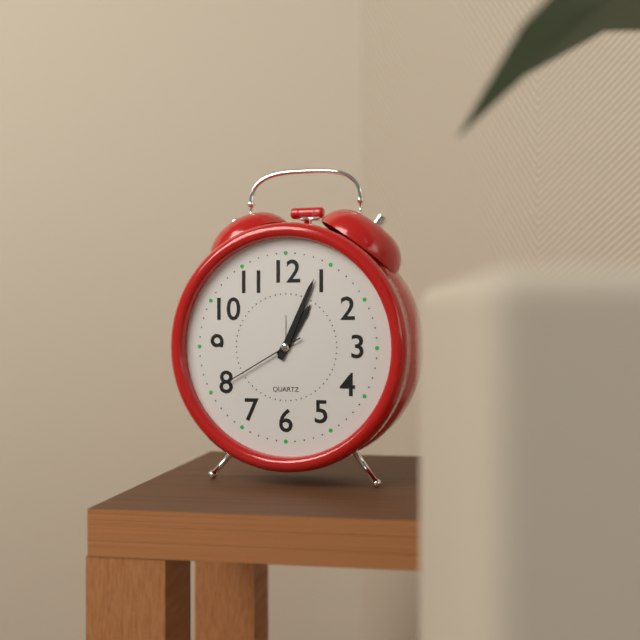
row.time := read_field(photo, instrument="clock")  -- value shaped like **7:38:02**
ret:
**1:04:40**
